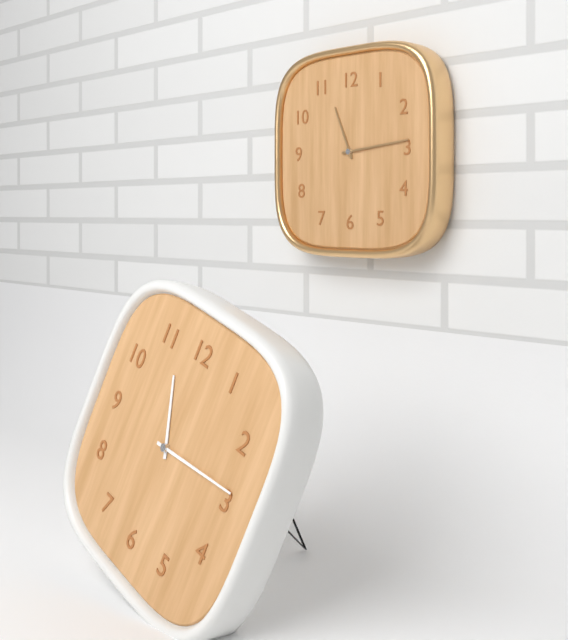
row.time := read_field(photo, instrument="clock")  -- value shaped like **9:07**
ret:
**11:14**
